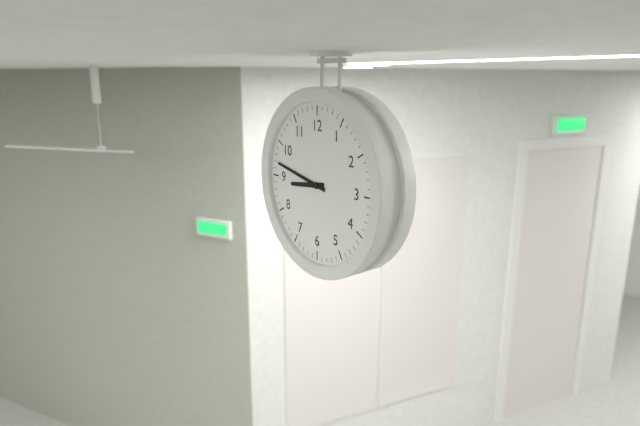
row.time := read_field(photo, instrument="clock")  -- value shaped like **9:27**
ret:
**8:47**
